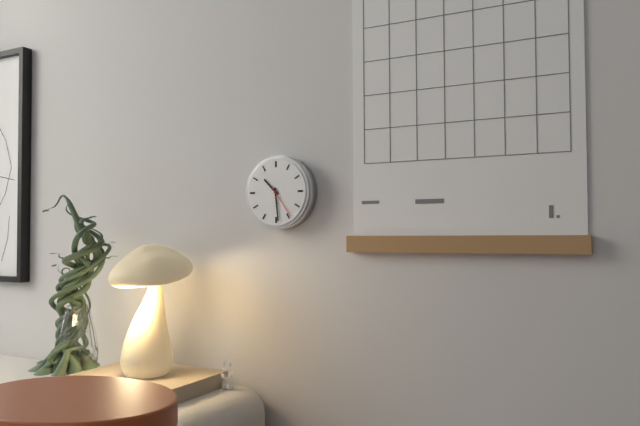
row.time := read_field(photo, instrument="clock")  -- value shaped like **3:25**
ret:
**10:29**
